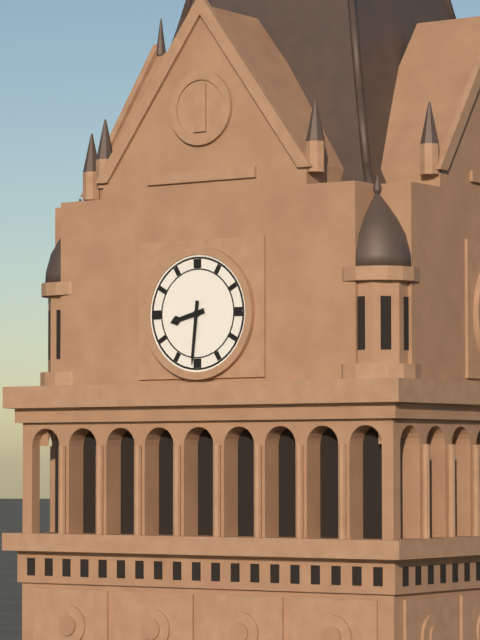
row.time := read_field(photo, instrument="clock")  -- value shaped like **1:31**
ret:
**8:31**
